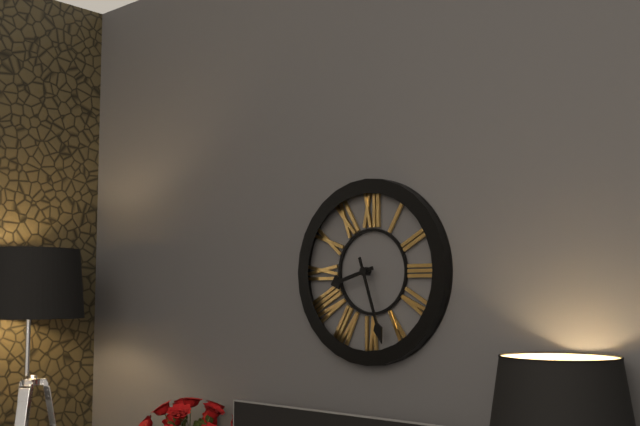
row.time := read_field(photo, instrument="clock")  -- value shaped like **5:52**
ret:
**8:27**
